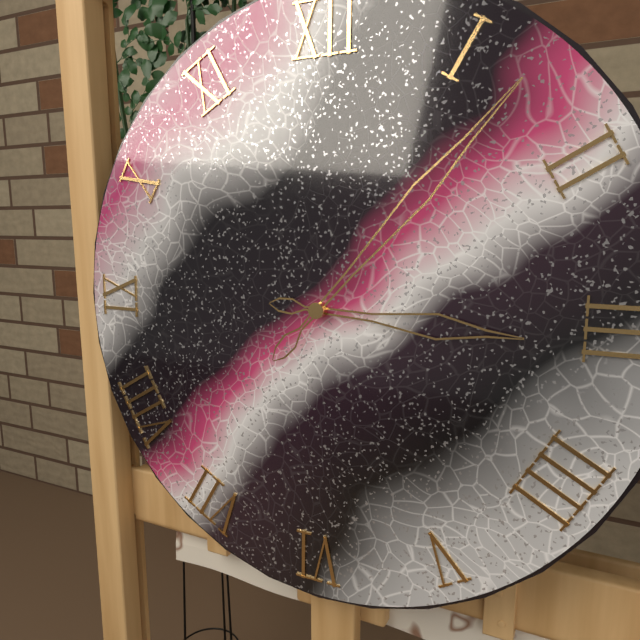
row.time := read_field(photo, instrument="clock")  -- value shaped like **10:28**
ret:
**3:07**
